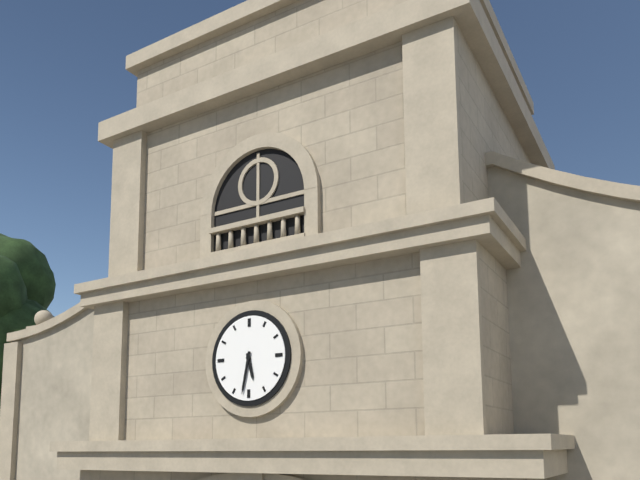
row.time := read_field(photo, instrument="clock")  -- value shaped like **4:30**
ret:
**5:32**
